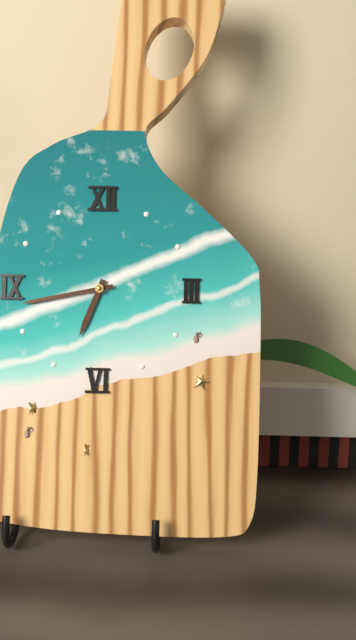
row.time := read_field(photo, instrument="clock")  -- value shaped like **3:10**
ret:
**6:43**
